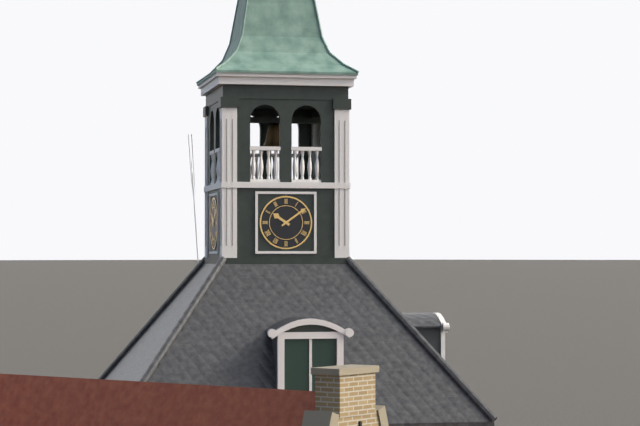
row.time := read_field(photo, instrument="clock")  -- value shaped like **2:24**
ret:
**10:09**
